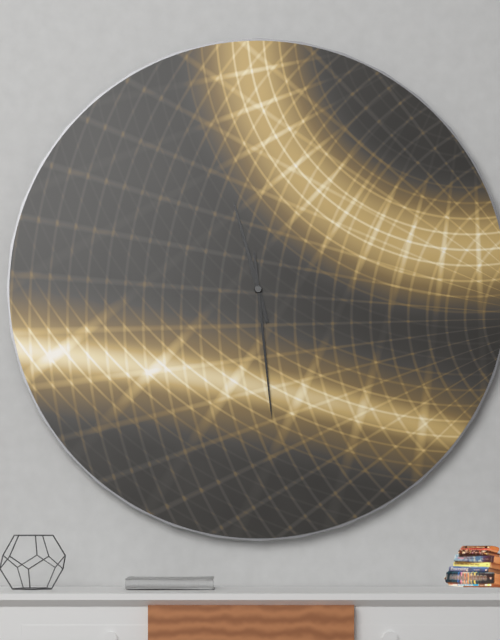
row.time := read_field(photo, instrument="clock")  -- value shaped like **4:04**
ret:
**11:29**
